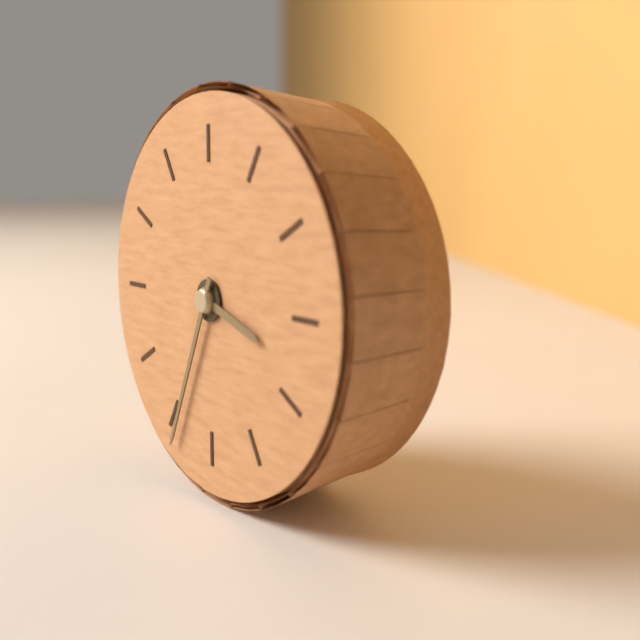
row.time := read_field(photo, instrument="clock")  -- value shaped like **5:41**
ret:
**3:34**
